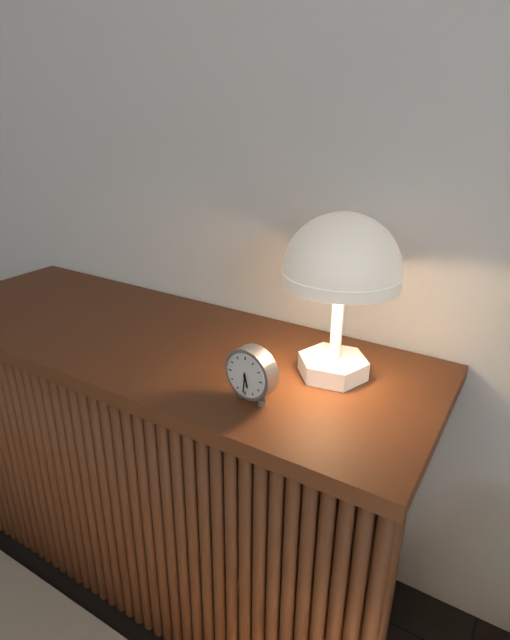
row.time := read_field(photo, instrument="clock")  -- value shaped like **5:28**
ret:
**5:31**
